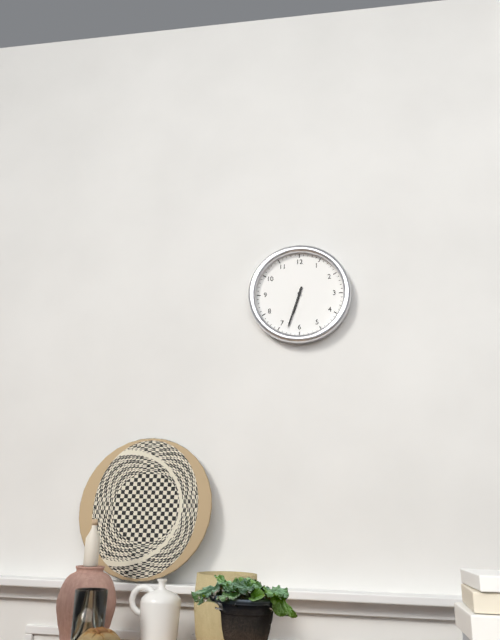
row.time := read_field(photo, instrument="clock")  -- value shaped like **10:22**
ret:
**6:33**
